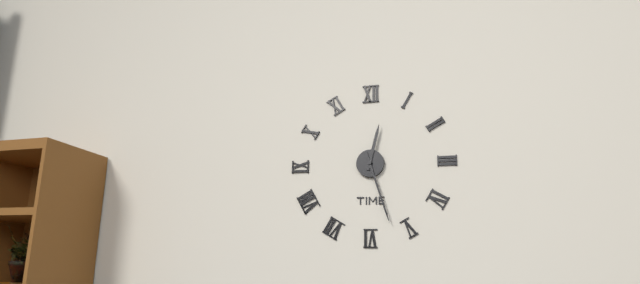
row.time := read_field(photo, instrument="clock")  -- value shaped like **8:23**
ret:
**12:27**
